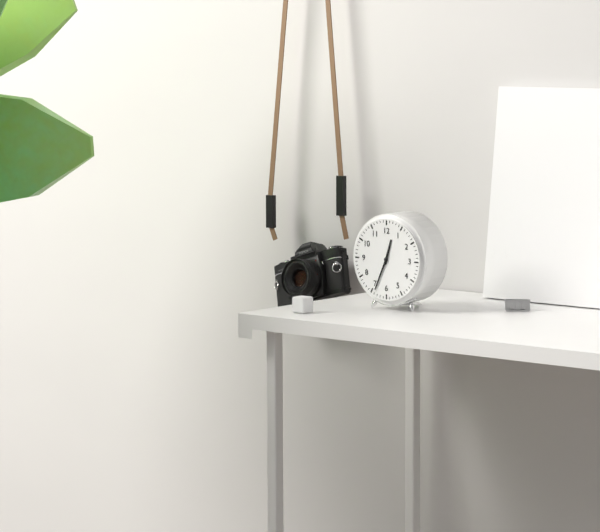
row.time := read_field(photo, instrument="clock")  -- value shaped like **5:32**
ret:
**12:34**
